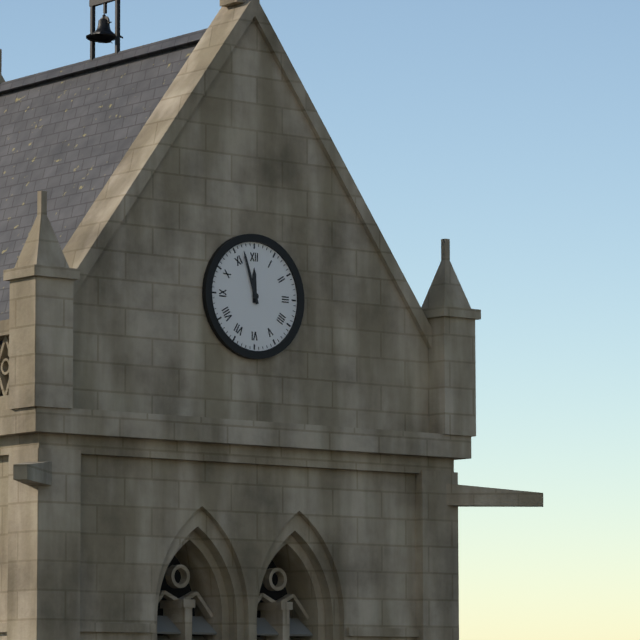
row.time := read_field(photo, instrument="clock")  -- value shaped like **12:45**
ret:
**11:57**
